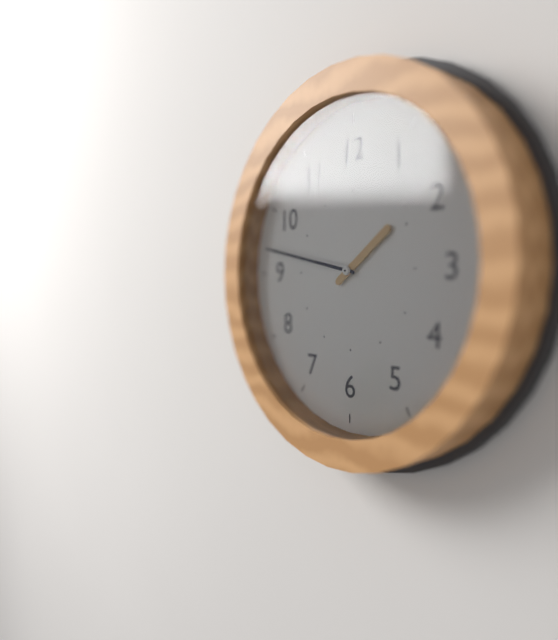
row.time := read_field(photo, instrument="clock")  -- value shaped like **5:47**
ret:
**1:47**
